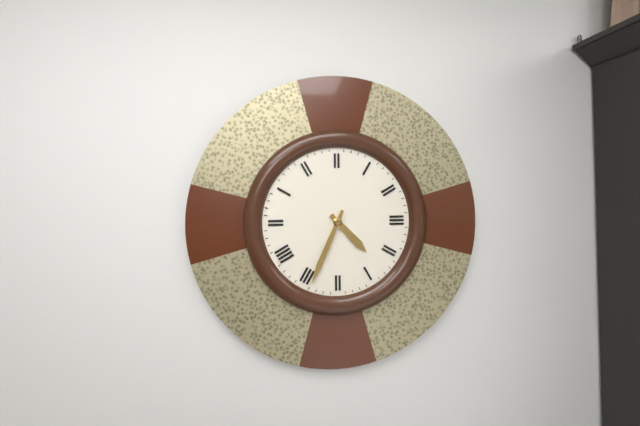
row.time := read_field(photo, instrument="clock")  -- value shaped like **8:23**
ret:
**4:34**
